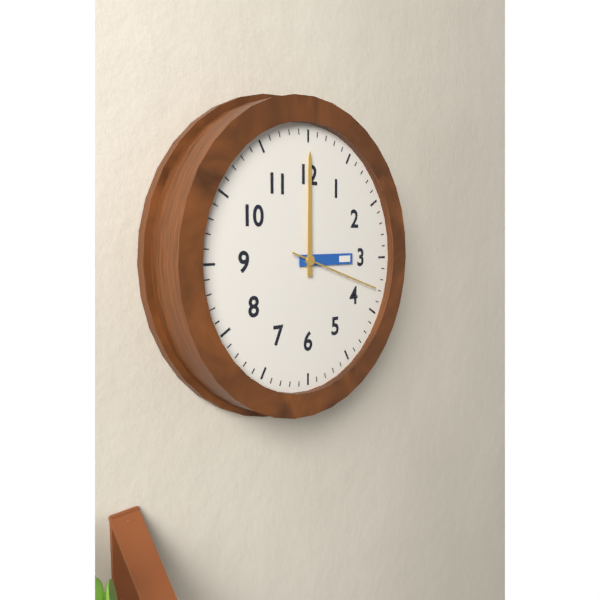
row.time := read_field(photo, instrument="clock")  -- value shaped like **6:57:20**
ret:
**3:00:18**
